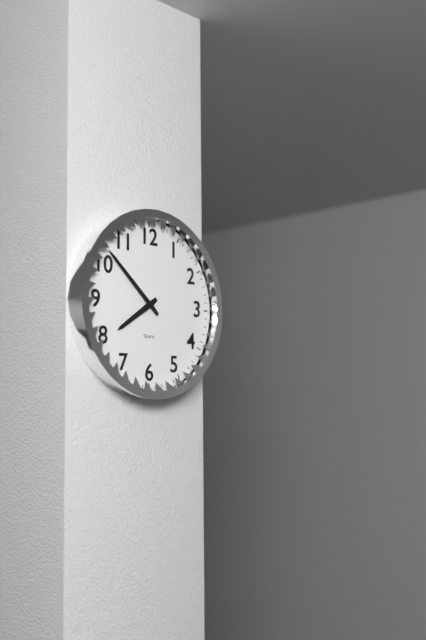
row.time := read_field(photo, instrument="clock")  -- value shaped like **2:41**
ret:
**7:52**
